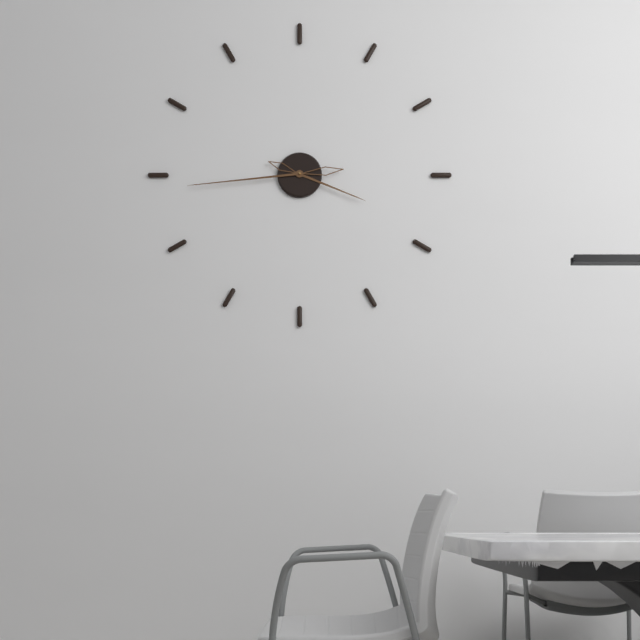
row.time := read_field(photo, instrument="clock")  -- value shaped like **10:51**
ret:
**3:44**
